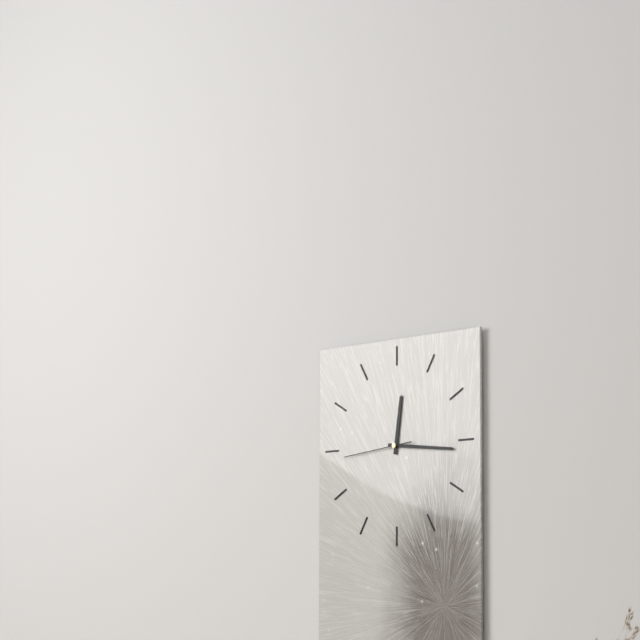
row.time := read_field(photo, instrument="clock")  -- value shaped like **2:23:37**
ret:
**12:16:44**
